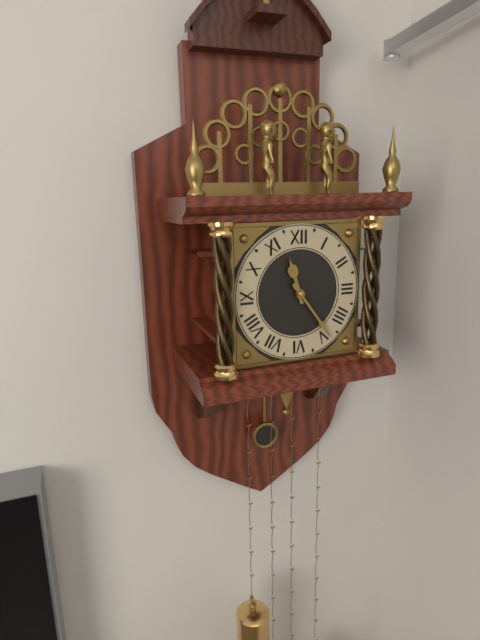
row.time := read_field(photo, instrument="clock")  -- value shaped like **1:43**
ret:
**11:24**
